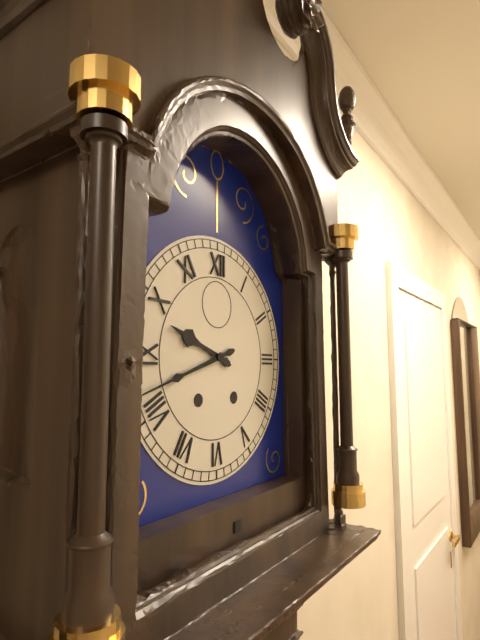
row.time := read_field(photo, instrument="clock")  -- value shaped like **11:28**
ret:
**9:42**
